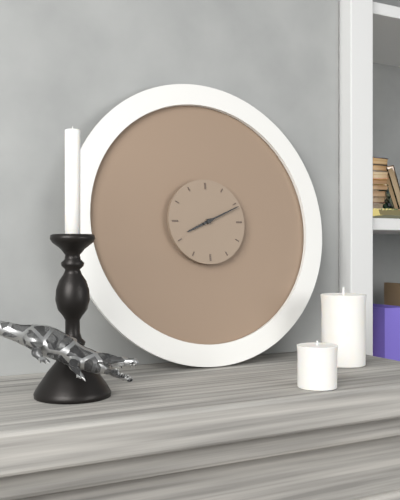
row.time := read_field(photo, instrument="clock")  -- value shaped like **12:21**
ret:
**8:11**
